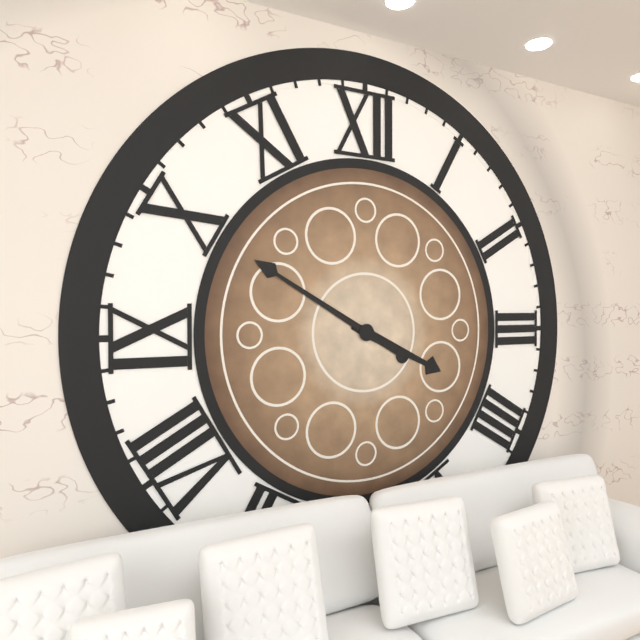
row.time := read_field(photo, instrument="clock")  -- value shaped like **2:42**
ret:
**3:50**
